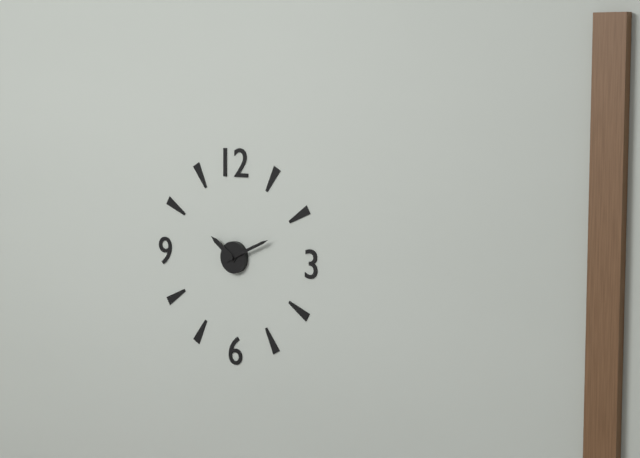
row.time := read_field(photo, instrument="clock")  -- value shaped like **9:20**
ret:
**10:11**
